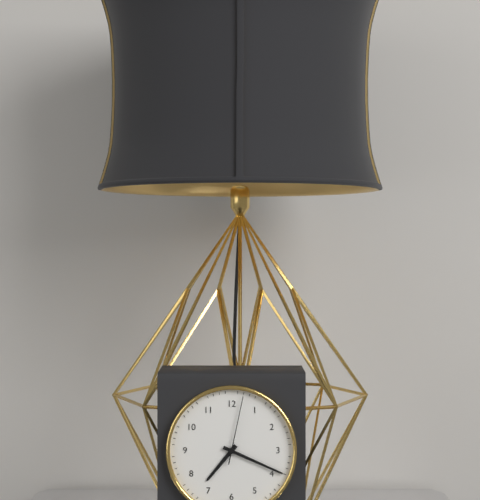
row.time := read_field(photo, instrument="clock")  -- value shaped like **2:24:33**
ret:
**7:19:02**
